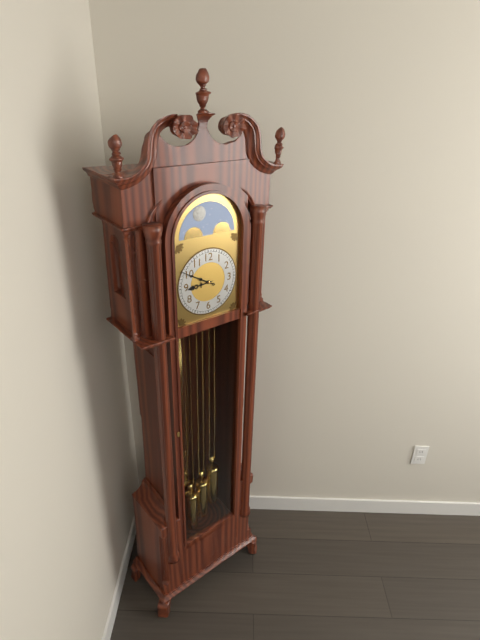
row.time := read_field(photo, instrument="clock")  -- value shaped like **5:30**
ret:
**8:50**
